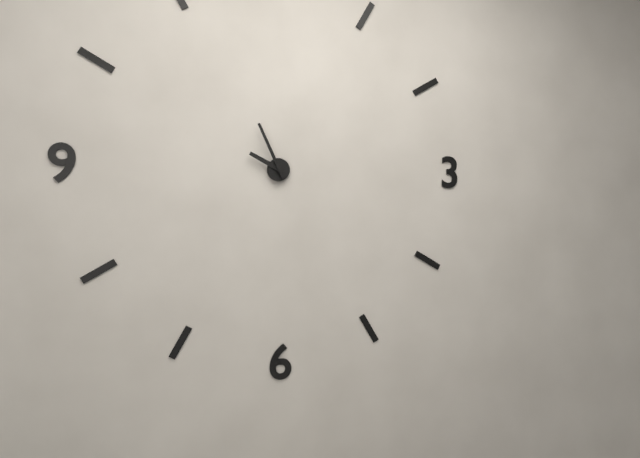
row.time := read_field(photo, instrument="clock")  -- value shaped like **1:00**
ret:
**9:56**
